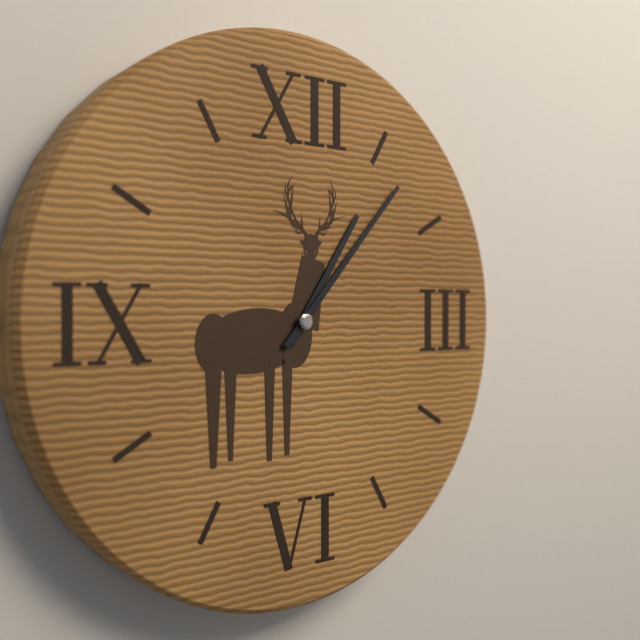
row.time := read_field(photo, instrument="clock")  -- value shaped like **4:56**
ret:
**1:07**
